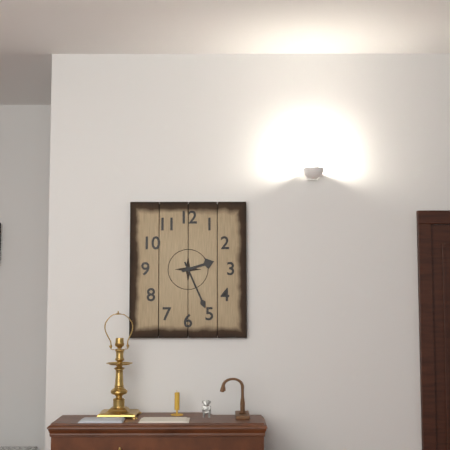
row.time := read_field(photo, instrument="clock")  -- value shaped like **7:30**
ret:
**2:26**
